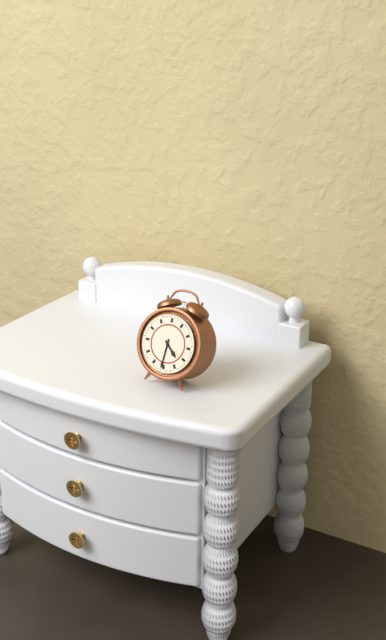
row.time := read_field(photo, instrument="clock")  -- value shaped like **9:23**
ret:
**4:31**
